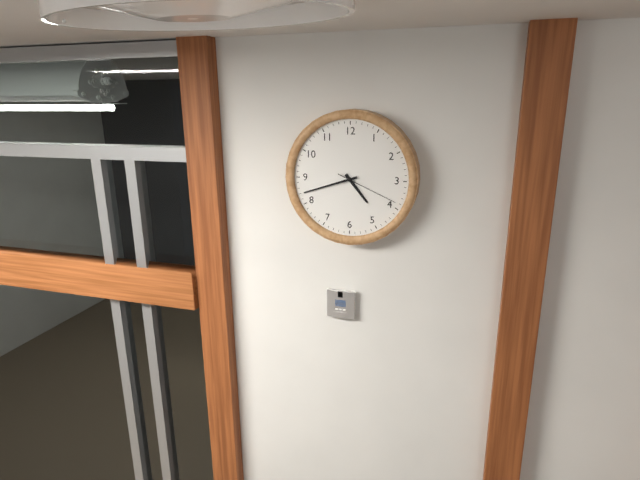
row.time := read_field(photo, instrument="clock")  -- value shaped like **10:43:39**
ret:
**4:42:19**
